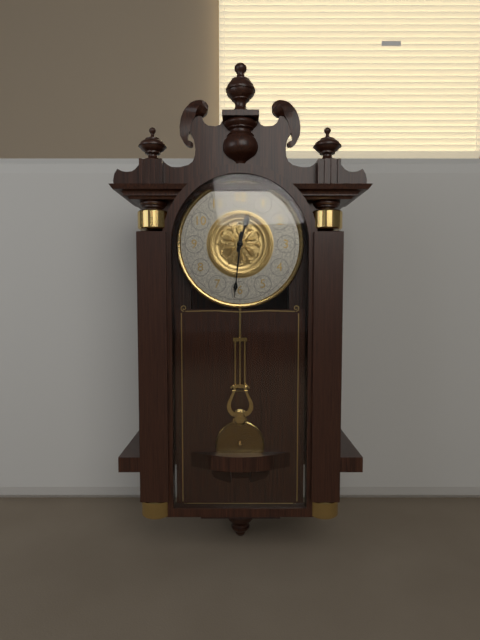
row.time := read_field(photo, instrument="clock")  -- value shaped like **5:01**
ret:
**12:31**
